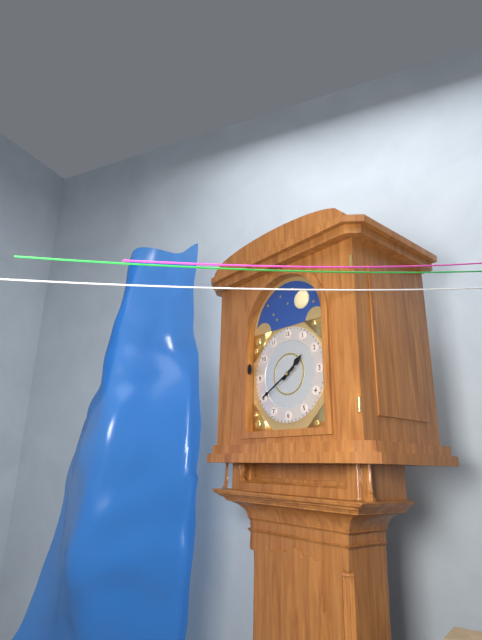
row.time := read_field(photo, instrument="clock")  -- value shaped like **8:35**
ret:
**1:40**
